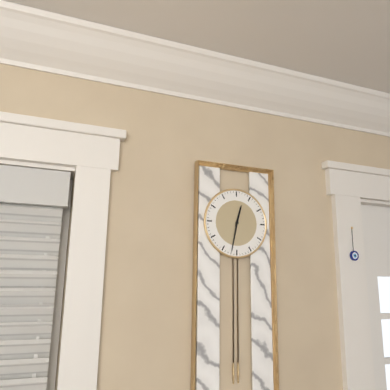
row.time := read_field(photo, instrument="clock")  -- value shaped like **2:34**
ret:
**12:32**
